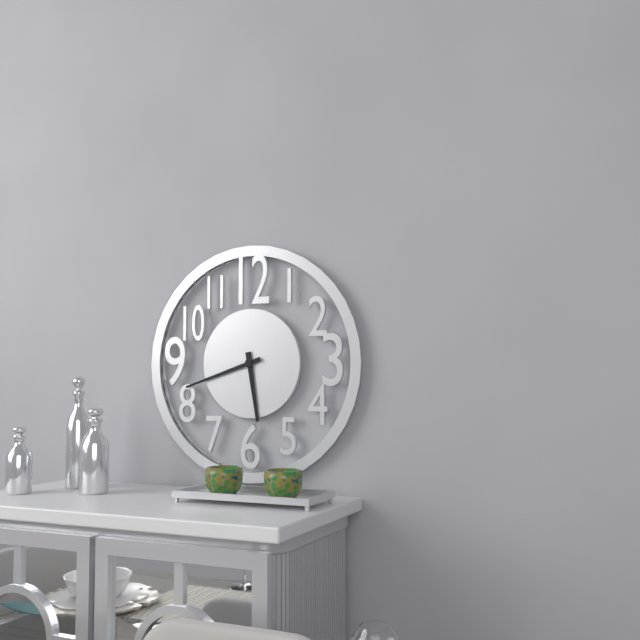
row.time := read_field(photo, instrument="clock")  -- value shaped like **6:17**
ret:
**5:42**
